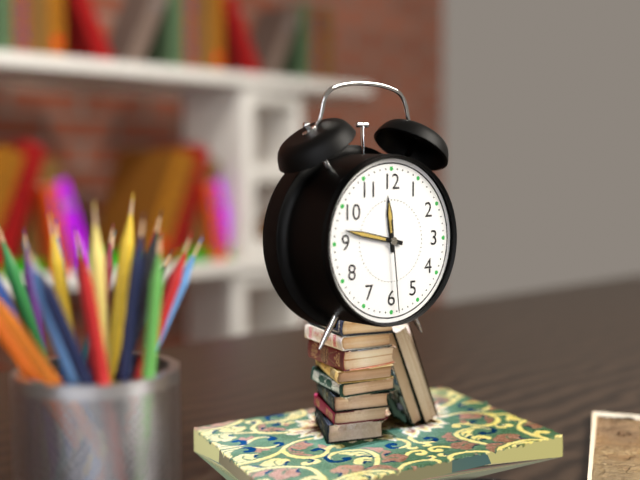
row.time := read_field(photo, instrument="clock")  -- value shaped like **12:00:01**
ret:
**11:47:29**
